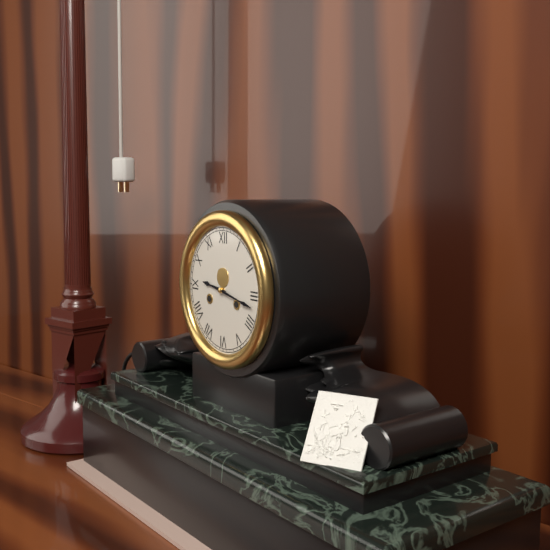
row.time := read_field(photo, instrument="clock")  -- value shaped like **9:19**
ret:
**9:17**
